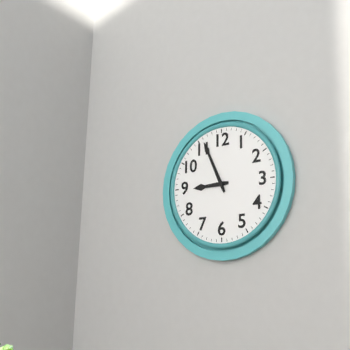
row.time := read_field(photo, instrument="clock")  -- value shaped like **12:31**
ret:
**8:56**
